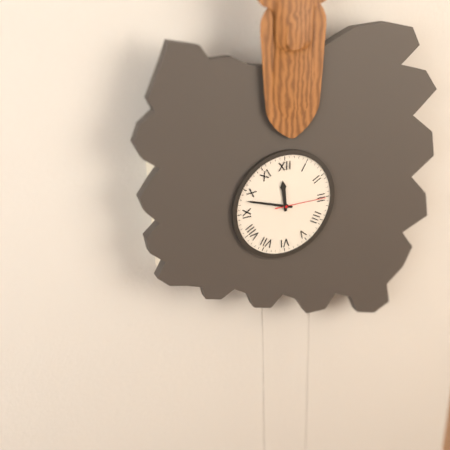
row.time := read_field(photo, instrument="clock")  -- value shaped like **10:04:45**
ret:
**11:48:15**
